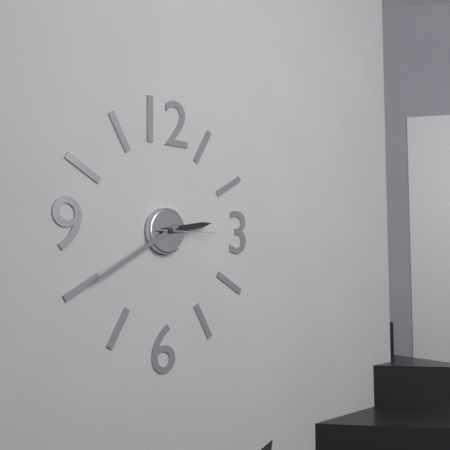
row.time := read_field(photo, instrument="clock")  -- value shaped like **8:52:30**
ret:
**2:40:15**
